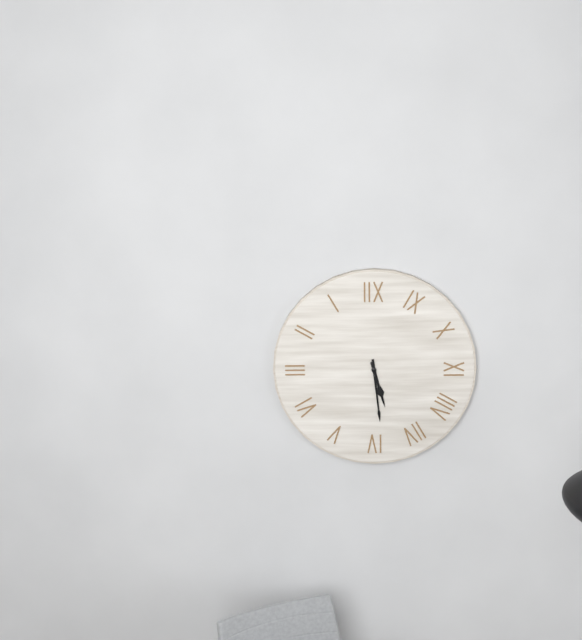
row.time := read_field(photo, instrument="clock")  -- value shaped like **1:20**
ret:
**5:29**
